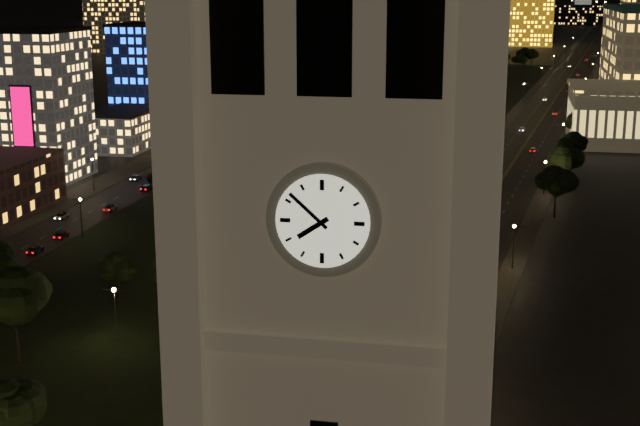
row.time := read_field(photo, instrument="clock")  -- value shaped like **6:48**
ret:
**7:52**
